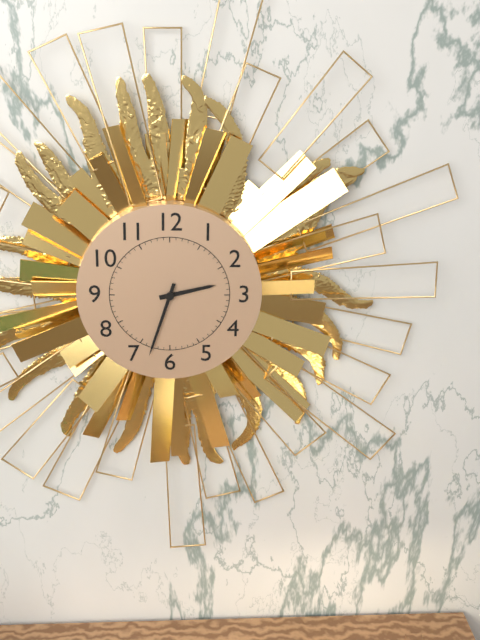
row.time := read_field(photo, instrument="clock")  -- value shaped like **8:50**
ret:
**2:33**
